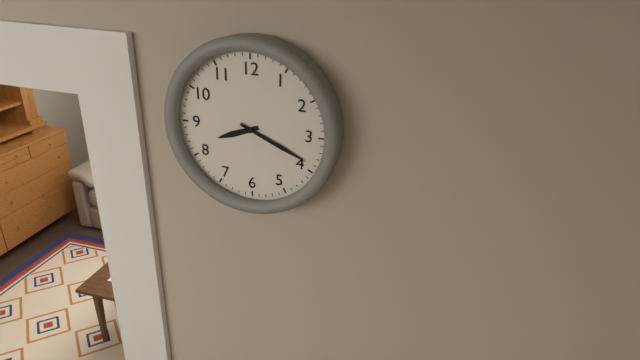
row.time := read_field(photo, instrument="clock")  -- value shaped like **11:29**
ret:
**8:19**
